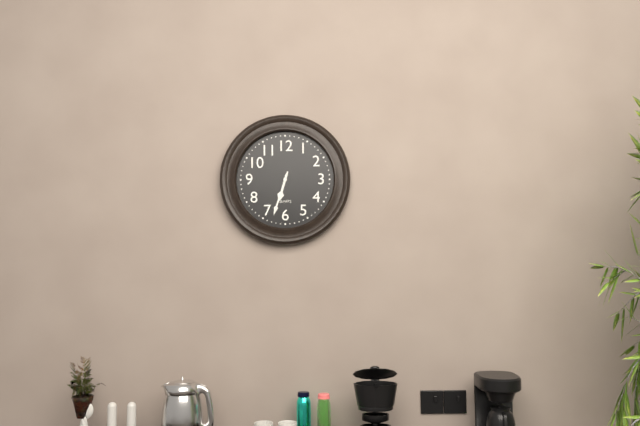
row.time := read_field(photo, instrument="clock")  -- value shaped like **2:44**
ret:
**6:33**
